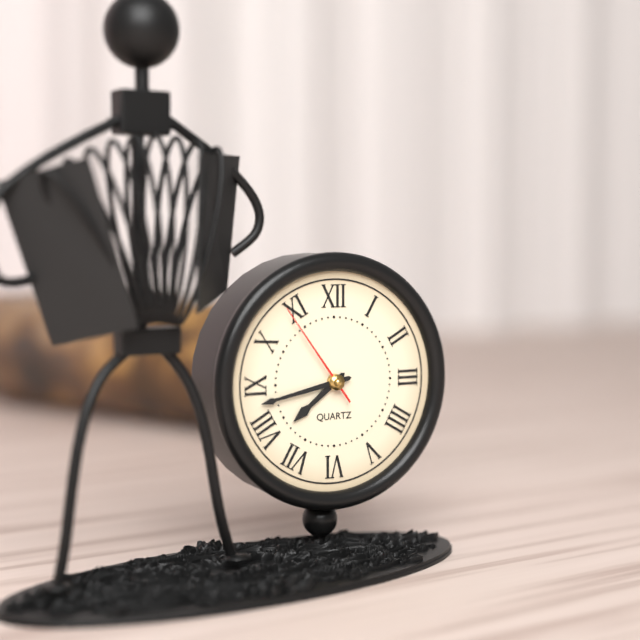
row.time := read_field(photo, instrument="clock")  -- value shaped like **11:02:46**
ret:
**7:43:54**
